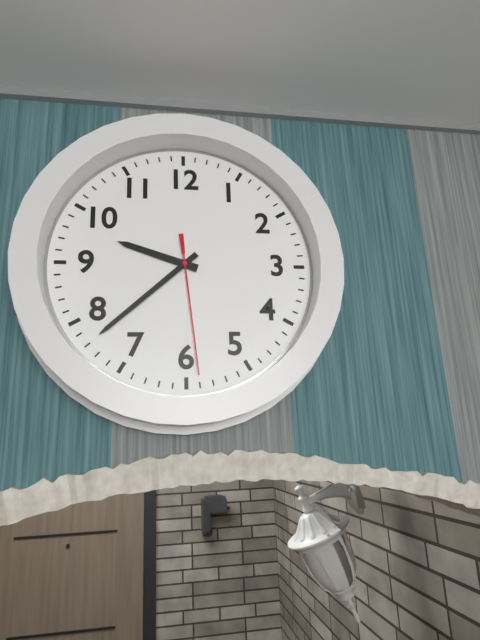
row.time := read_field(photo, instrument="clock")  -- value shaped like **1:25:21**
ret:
**9:38:29**
